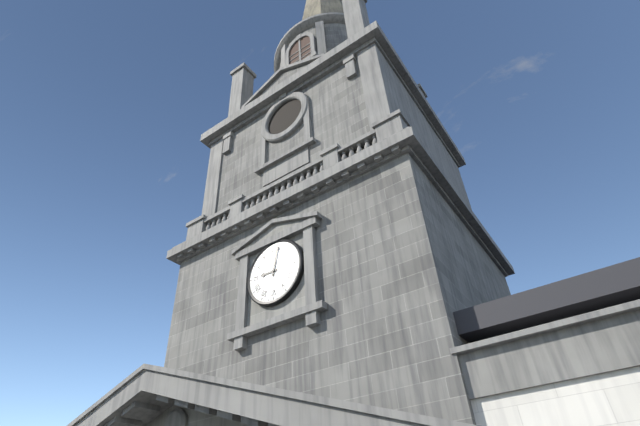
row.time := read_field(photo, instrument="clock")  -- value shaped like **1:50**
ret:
**9:02**
